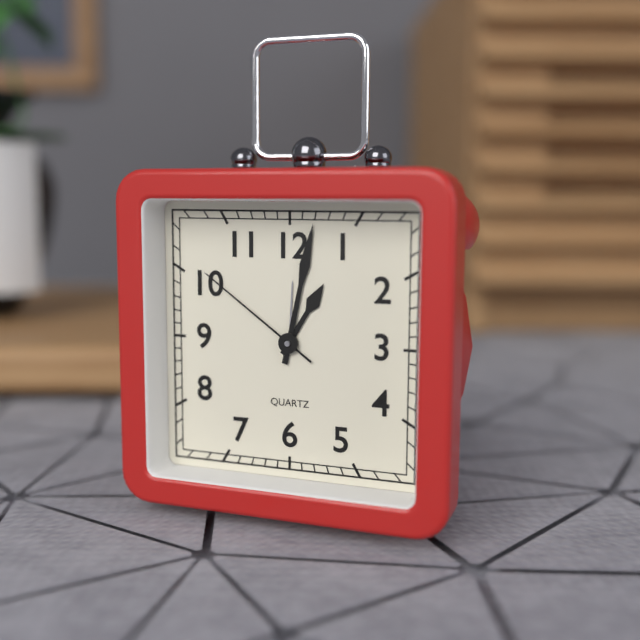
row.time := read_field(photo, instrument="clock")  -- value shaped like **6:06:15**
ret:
**1:02:51**
